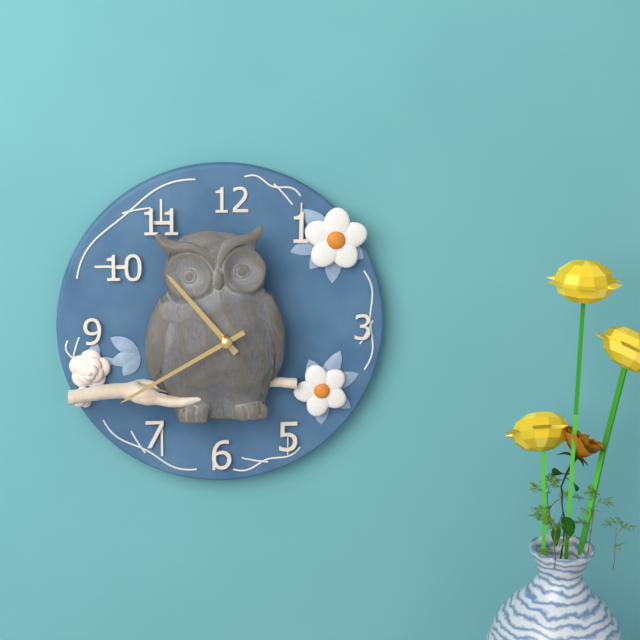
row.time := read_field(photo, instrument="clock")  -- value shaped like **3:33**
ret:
**10:40**
